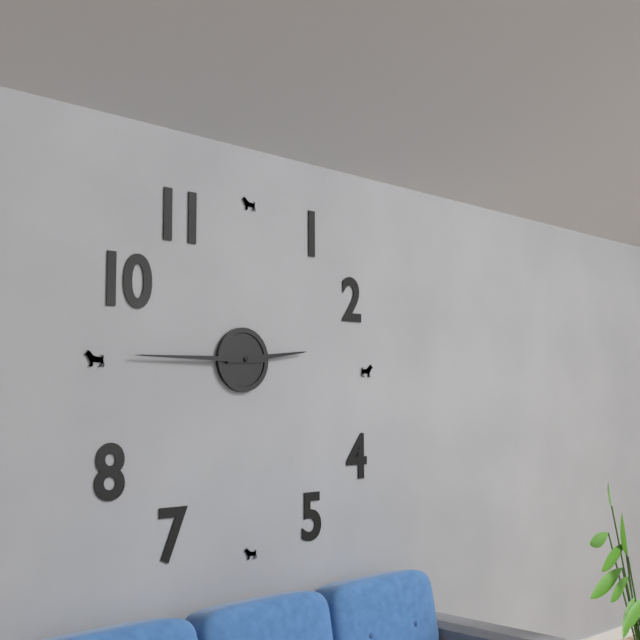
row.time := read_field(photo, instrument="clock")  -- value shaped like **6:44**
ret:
**2:45**
